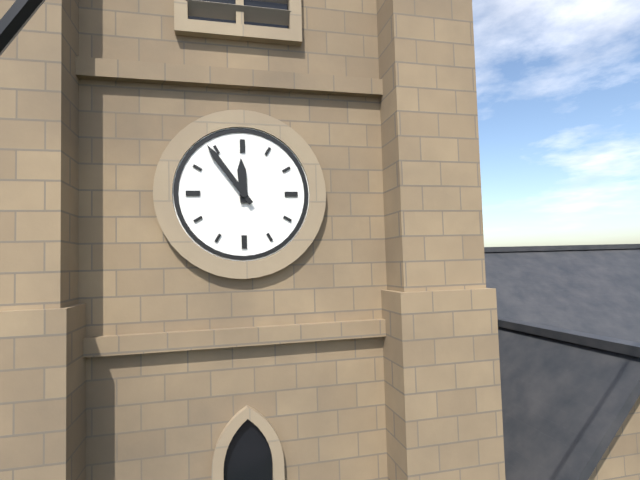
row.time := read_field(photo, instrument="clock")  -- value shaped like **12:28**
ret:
**11:54**
